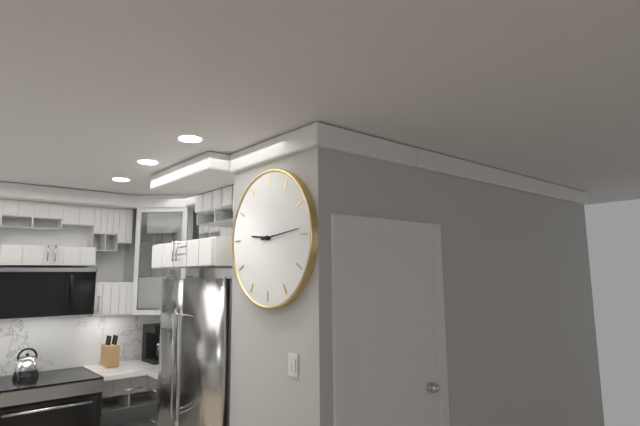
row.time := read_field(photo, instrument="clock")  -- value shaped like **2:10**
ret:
**9:14**
